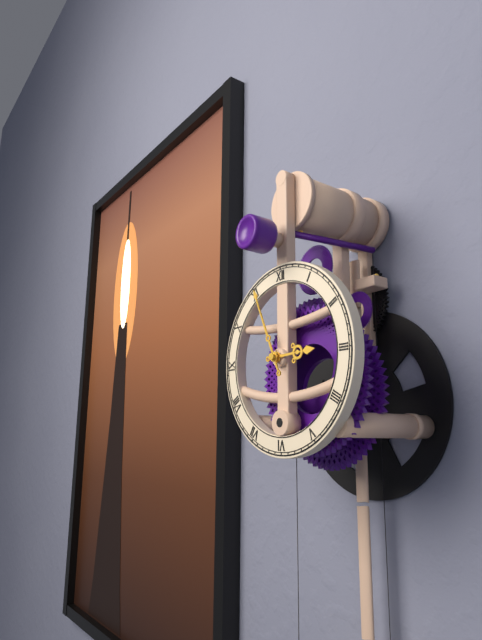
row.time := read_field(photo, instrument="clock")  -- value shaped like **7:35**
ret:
**2:56**
